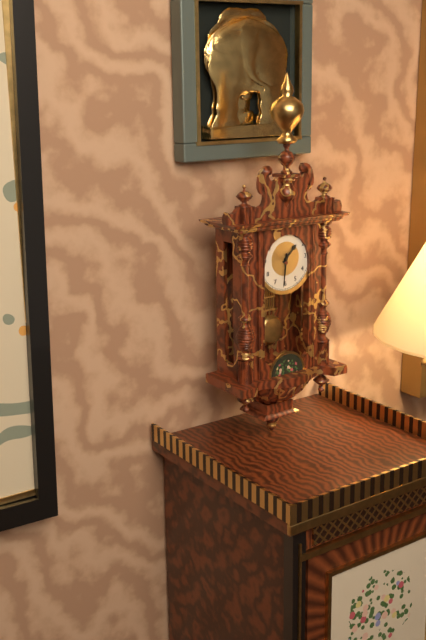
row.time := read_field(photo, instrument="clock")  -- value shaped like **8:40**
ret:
**1:31**
